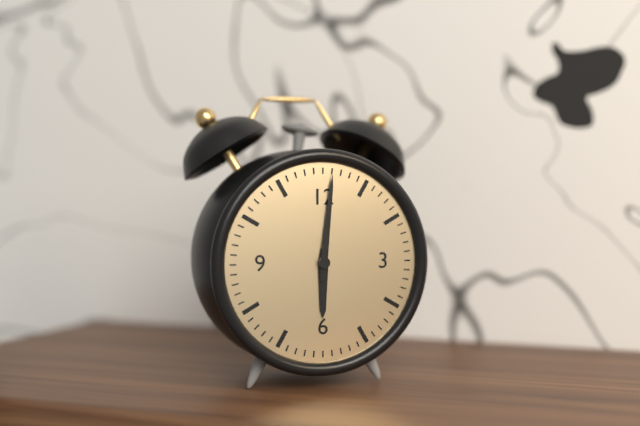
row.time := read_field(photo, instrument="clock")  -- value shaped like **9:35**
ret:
**6:01**
